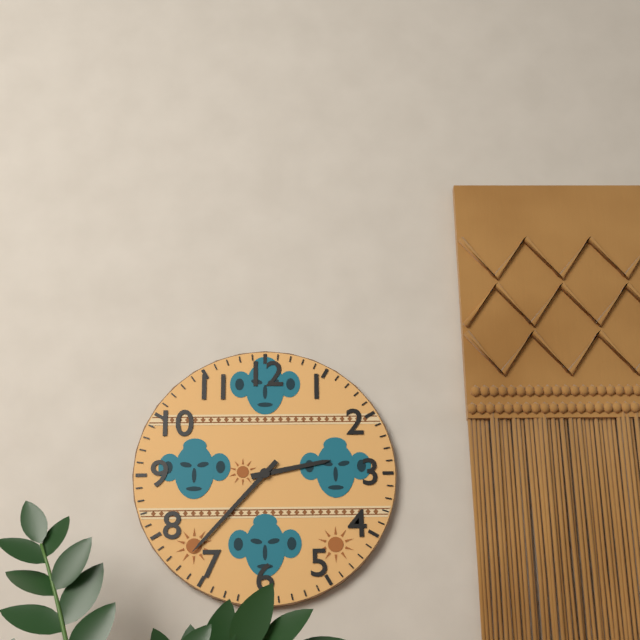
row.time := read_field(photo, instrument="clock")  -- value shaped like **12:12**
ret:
**2:37**
